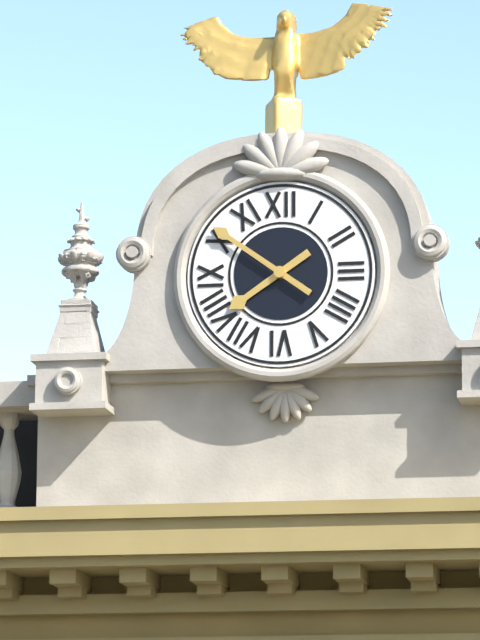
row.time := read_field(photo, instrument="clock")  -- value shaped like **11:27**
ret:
**7:51**
